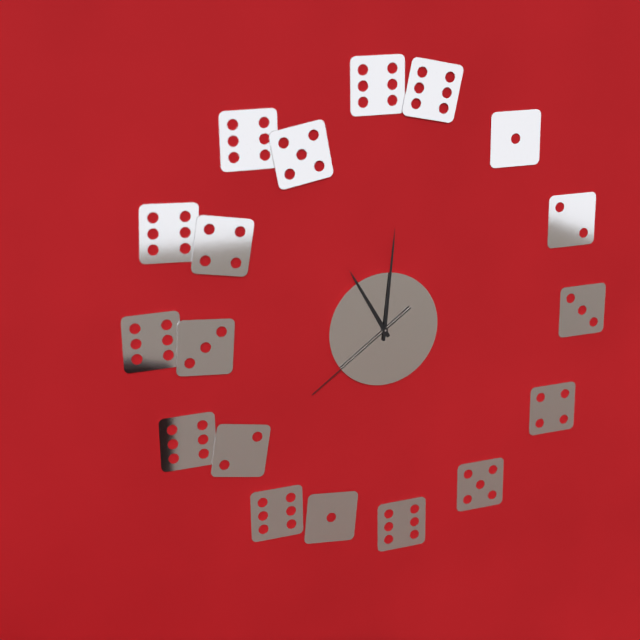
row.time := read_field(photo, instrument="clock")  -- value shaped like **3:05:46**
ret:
**11:01:39**
